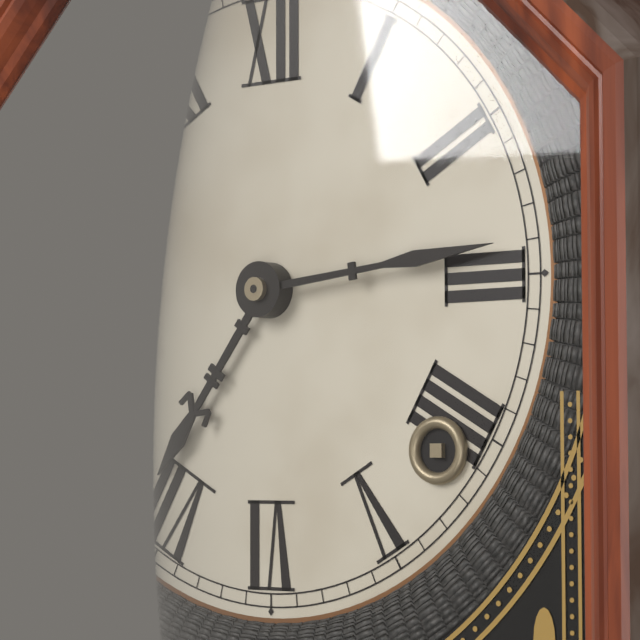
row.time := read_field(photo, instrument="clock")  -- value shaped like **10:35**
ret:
**7:14**
